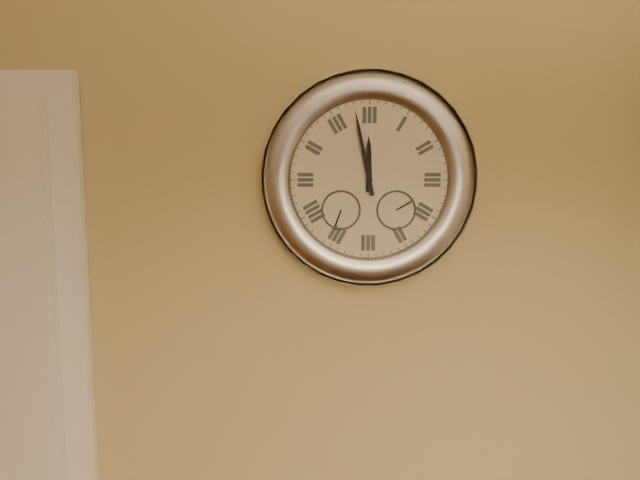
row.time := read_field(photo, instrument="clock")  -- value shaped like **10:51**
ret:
**11:58**
